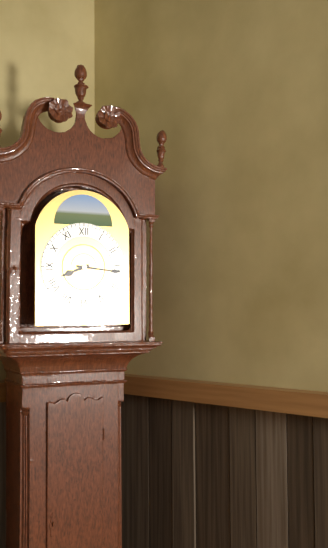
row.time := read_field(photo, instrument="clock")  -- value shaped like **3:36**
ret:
**8:16**
